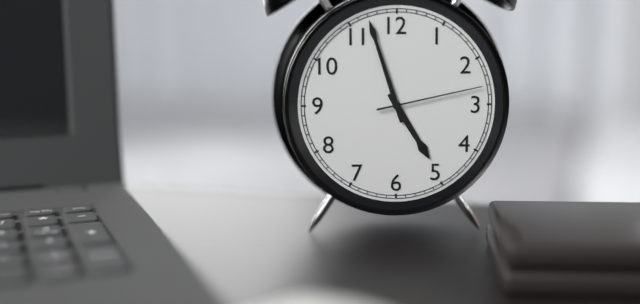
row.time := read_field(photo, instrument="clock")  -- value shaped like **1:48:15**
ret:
**4:57:13**
